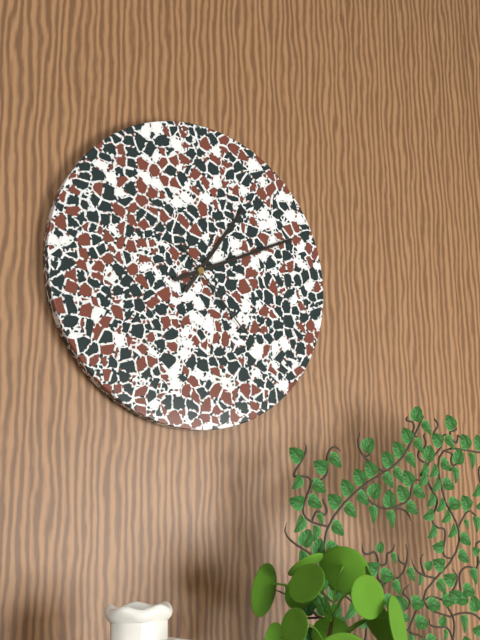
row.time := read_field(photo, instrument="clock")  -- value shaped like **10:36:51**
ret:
**1:11:23**
